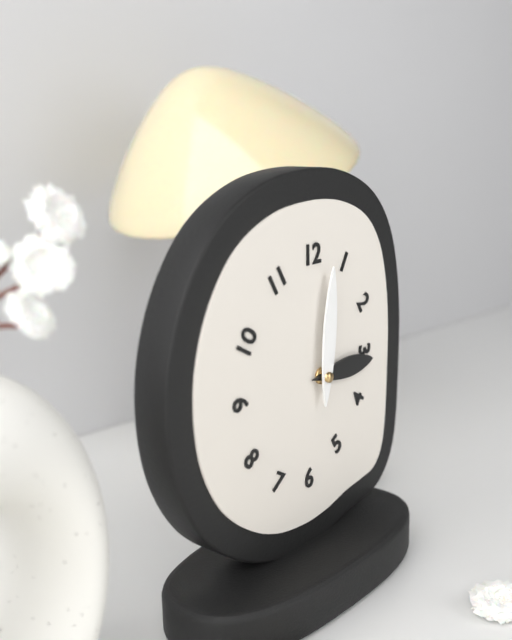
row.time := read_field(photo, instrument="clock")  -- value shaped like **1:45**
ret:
**3:01**
